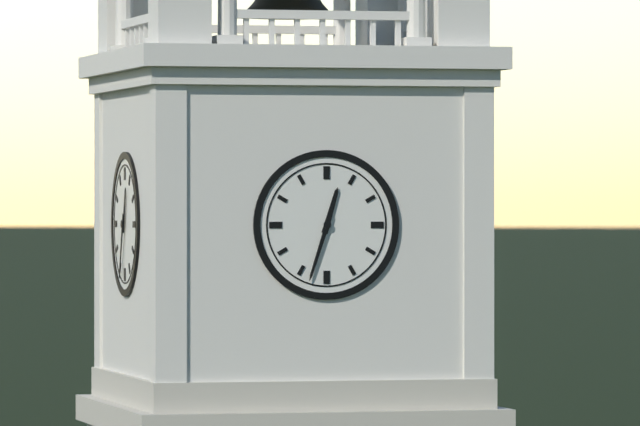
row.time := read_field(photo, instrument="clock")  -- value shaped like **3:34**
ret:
**12:33**
